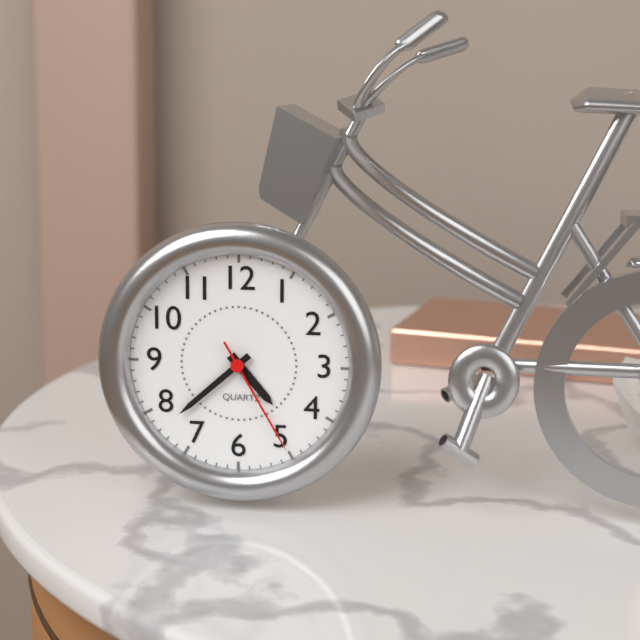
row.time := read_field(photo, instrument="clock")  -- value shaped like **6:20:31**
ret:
**4:38:25**
